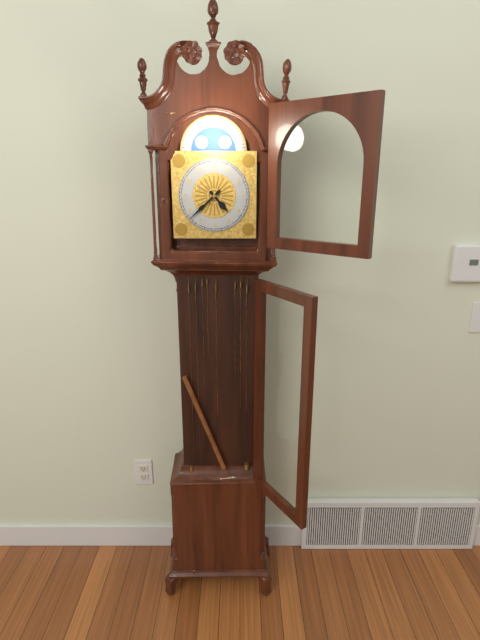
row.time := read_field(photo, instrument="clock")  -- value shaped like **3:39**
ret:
**4:38**
